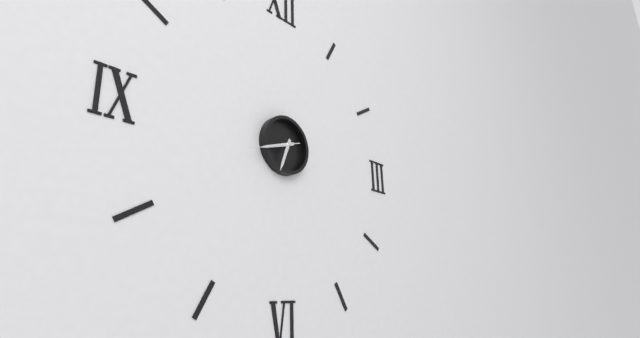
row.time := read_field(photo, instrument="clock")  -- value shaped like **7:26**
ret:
**6:42**
